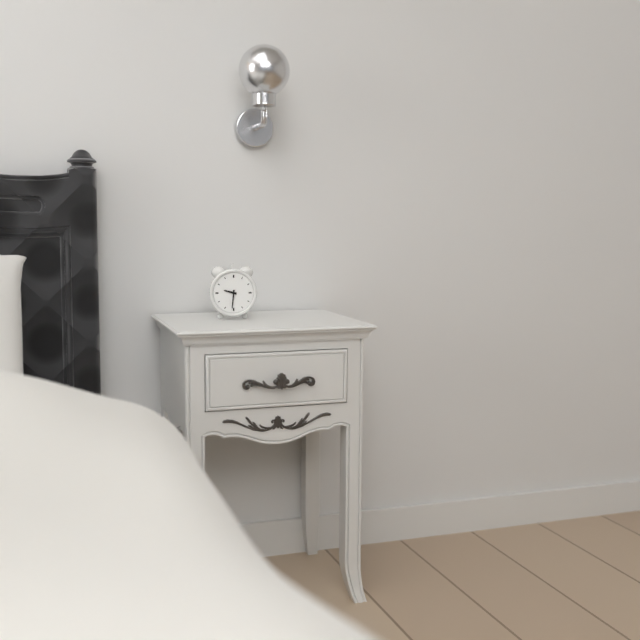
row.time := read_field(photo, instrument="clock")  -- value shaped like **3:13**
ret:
**9:31**
